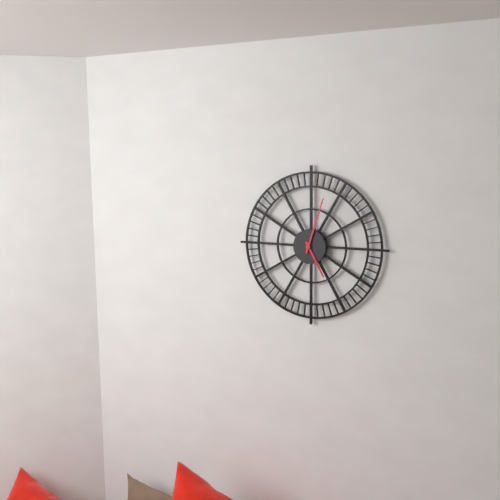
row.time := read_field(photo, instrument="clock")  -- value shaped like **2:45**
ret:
**5:03**
